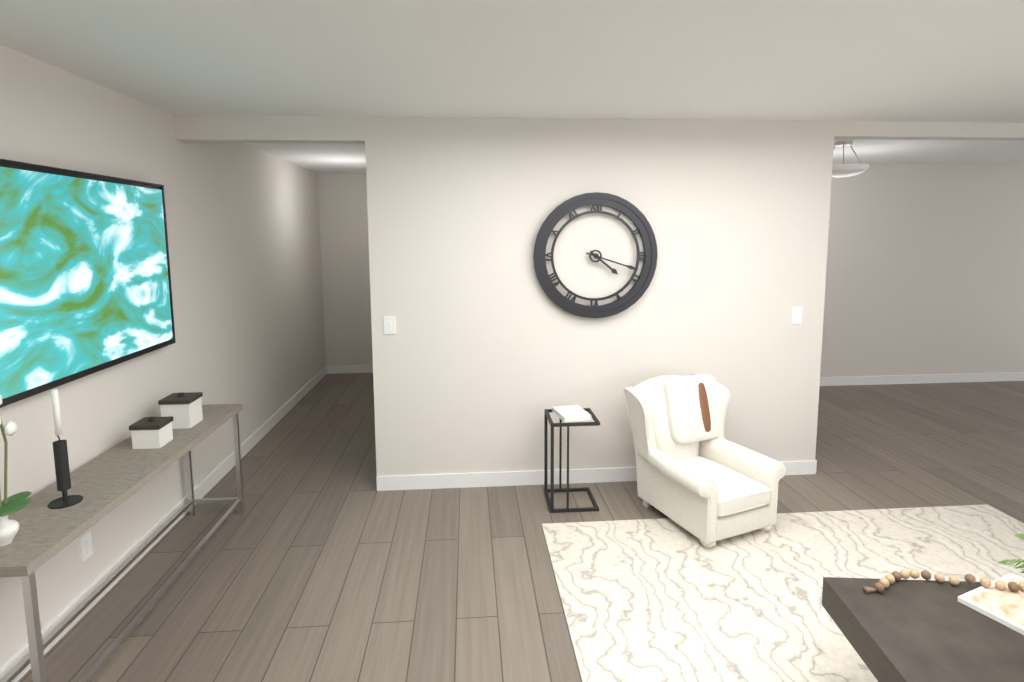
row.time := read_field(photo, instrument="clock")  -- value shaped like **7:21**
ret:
**4:18**
